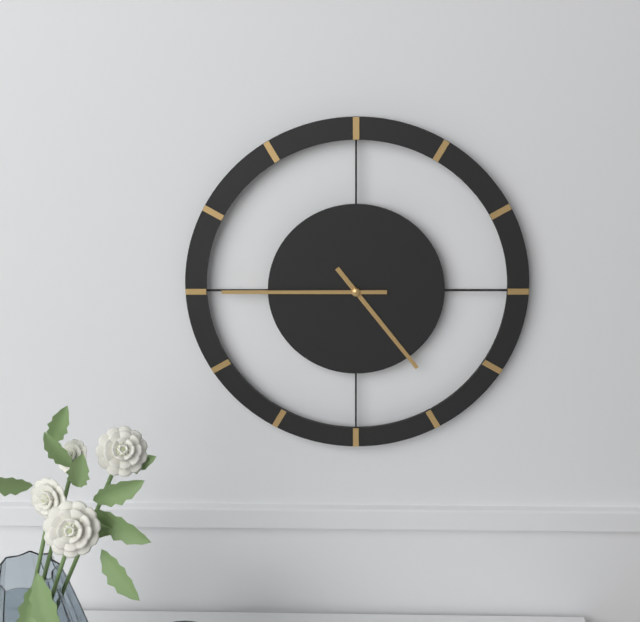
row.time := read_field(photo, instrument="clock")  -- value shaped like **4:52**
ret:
**4:45**
